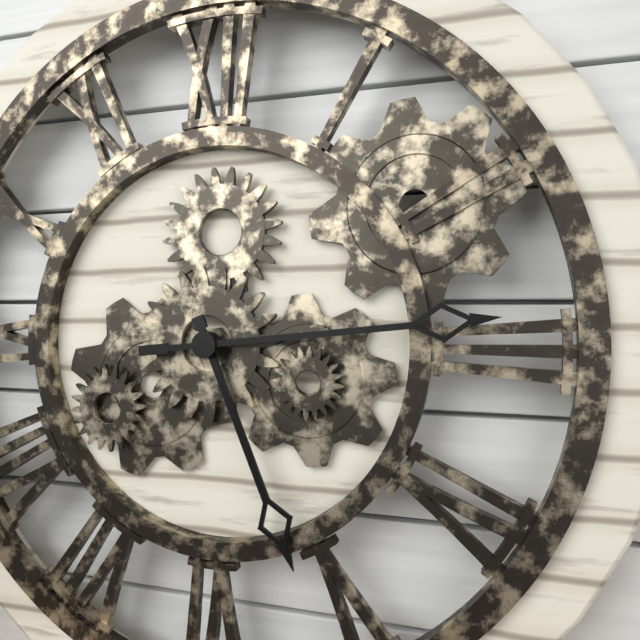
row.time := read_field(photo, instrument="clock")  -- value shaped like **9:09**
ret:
**5:14**
